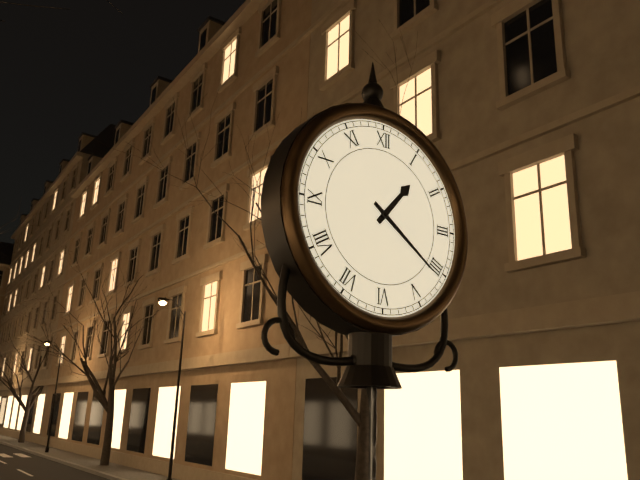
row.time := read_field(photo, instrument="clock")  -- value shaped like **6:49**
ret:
**1:21**
